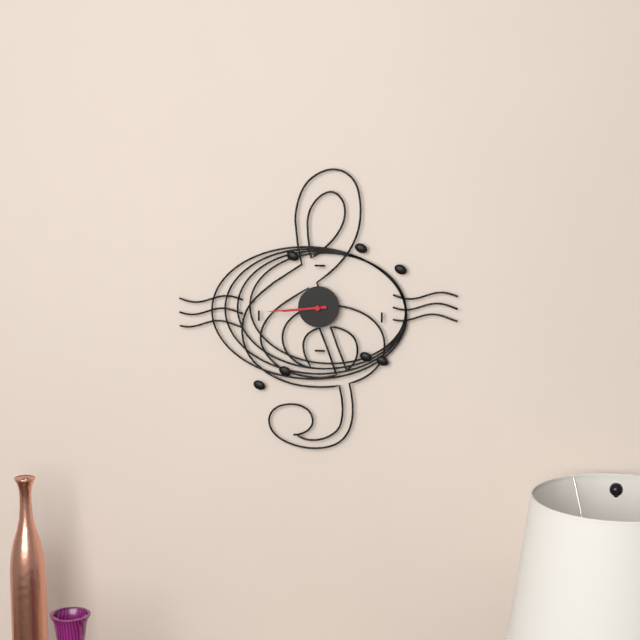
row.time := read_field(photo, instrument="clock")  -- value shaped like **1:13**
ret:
**8:44**
